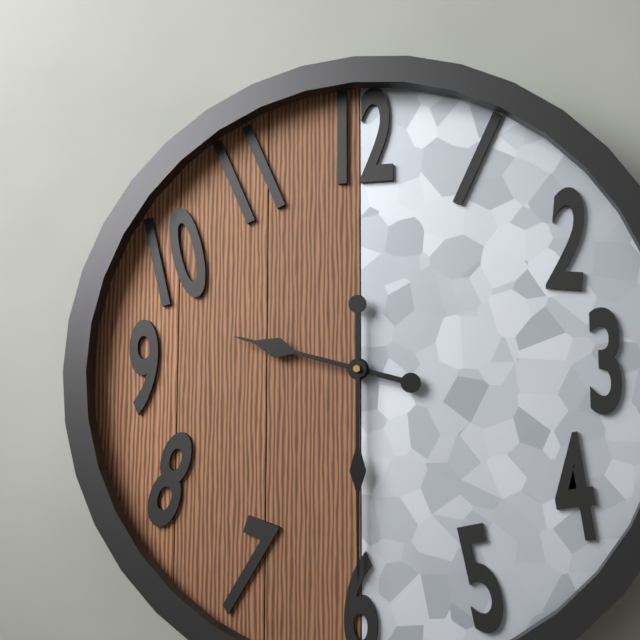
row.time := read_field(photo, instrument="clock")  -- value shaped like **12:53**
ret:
**9:30**
